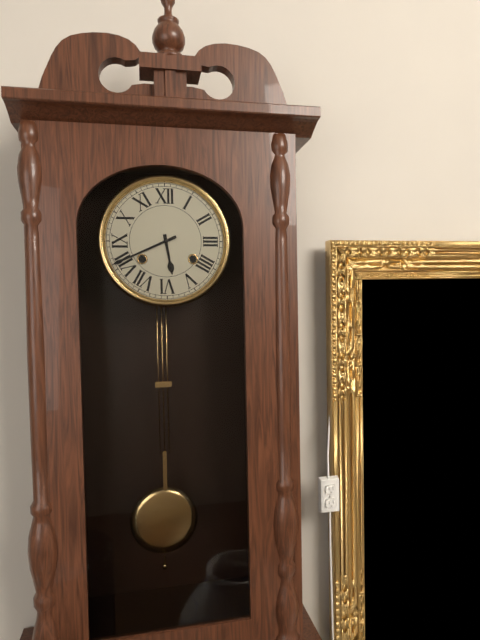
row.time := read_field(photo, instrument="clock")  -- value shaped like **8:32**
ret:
**5:41**
